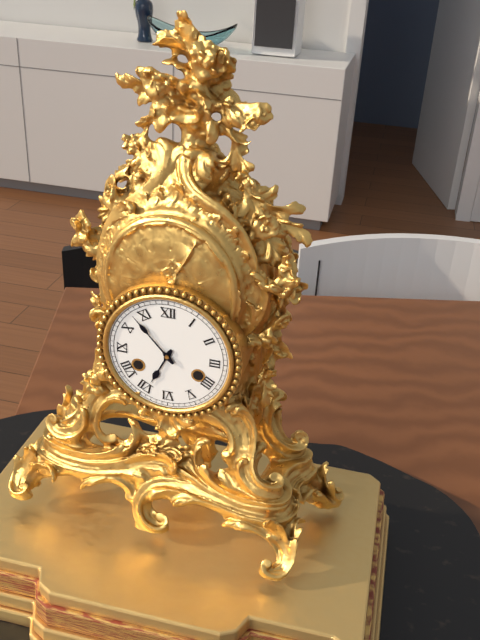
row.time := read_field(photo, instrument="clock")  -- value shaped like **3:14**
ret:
**6:53**
